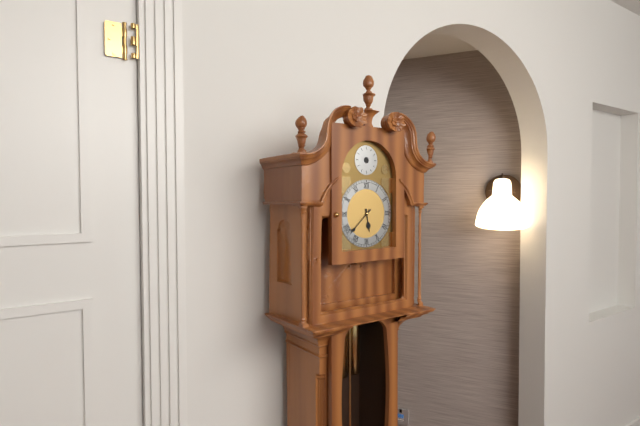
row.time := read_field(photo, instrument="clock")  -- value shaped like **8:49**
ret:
**5:38**
